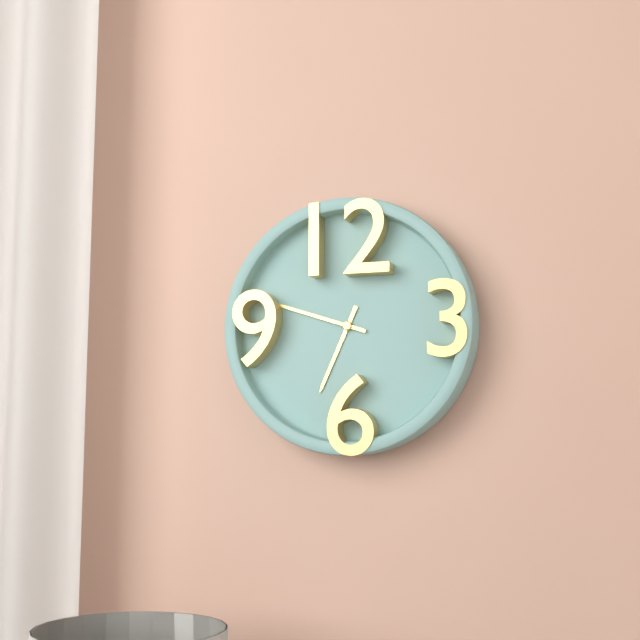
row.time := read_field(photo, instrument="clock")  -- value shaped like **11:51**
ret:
**6:48**
